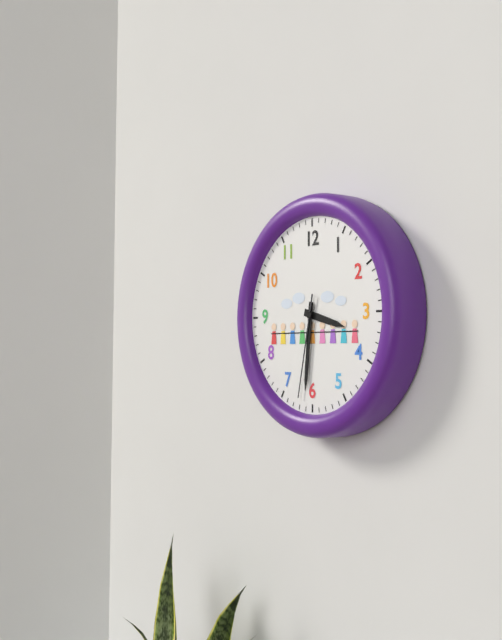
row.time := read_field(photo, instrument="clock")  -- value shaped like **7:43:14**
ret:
**3:31:32**
